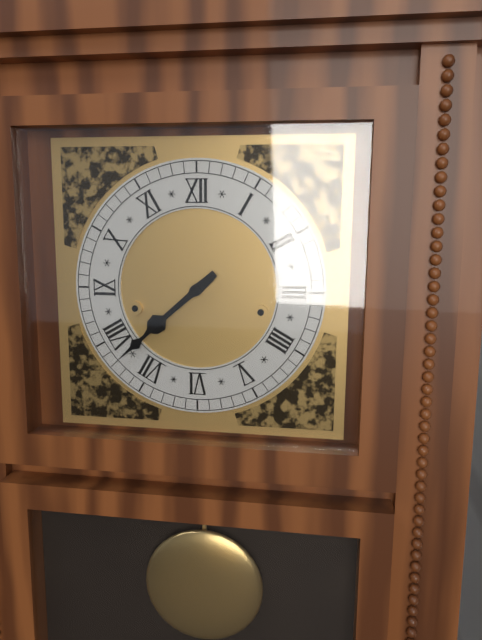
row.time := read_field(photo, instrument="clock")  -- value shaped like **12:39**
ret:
**7:38**
